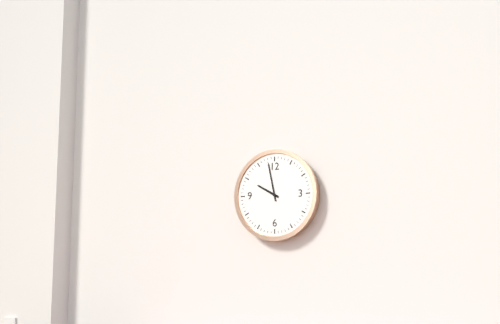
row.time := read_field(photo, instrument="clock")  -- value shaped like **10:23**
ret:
**9:58**
